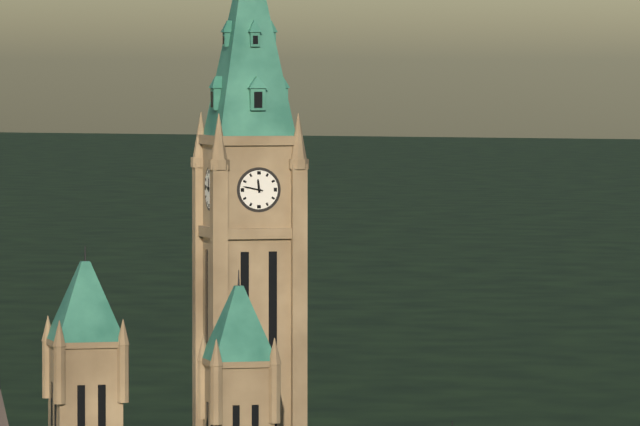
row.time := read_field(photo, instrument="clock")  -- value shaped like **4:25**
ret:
**11:47**
